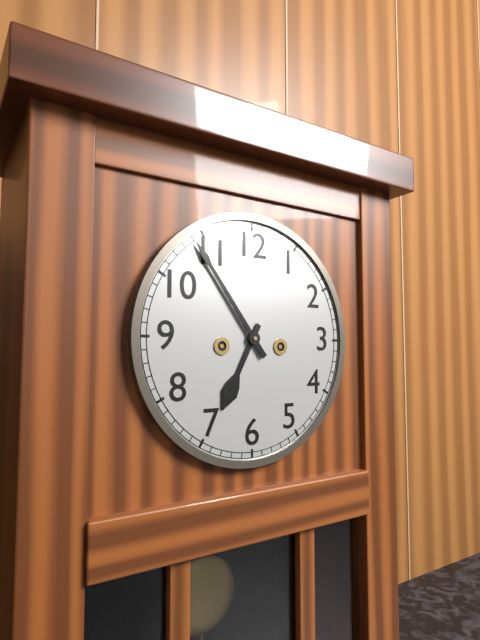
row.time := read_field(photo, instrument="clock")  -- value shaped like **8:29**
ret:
**6:54**
